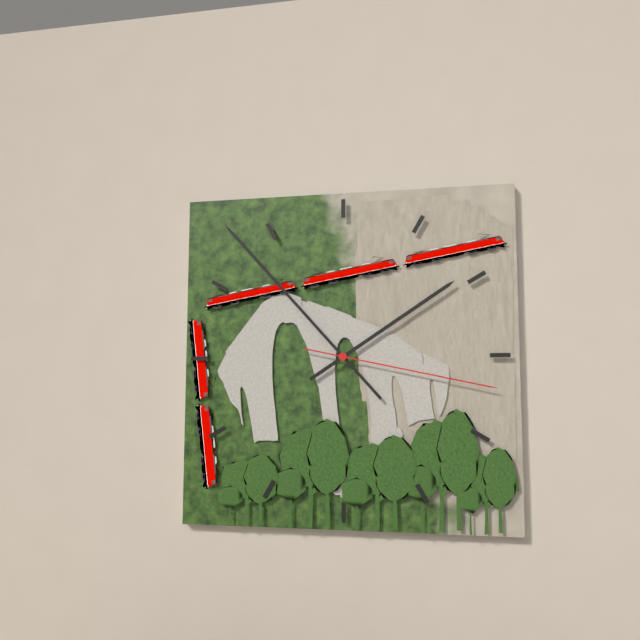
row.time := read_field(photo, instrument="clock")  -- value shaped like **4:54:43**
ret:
**1:53:17**
